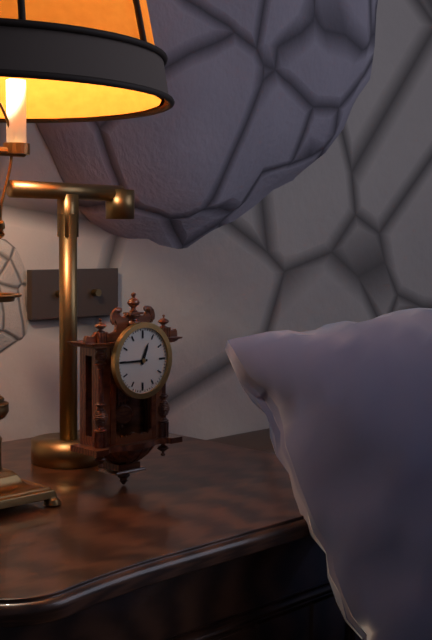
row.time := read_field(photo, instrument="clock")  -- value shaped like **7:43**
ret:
**12:45**
